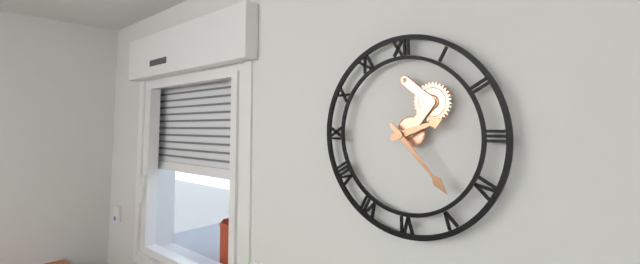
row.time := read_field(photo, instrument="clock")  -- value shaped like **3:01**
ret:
**2:23**
